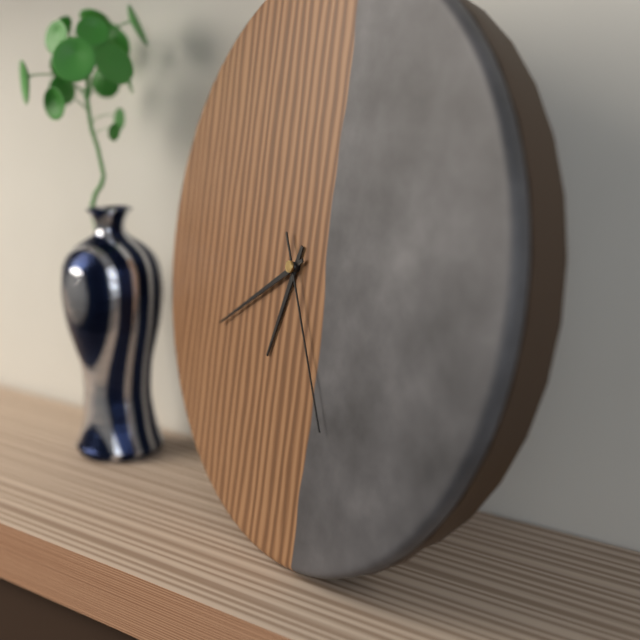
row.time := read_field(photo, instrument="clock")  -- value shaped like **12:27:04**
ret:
**6:40:25**
